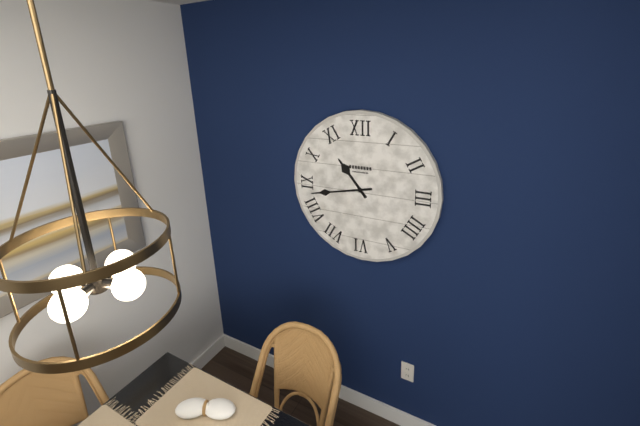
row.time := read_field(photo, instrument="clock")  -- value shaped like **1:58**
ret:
**10:43**
